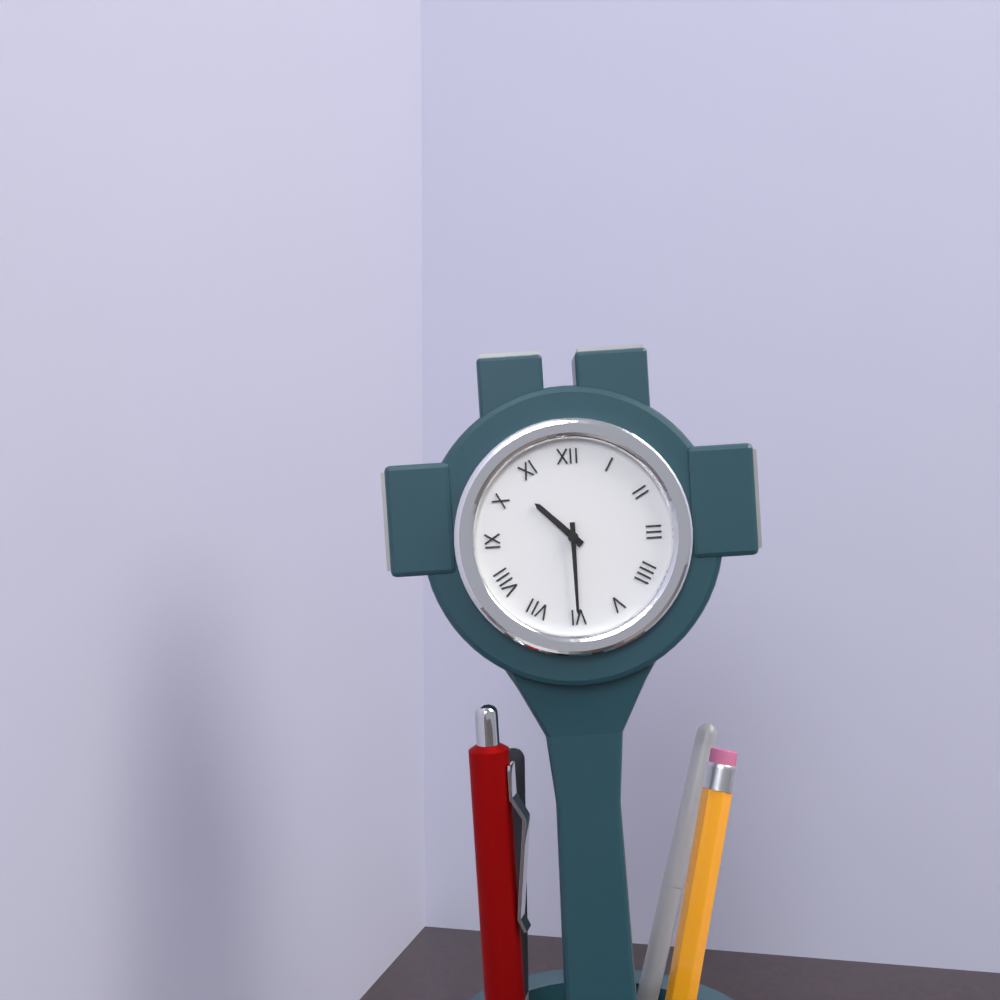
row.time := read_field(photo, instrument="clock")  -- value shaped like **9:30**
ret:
**10:30**
